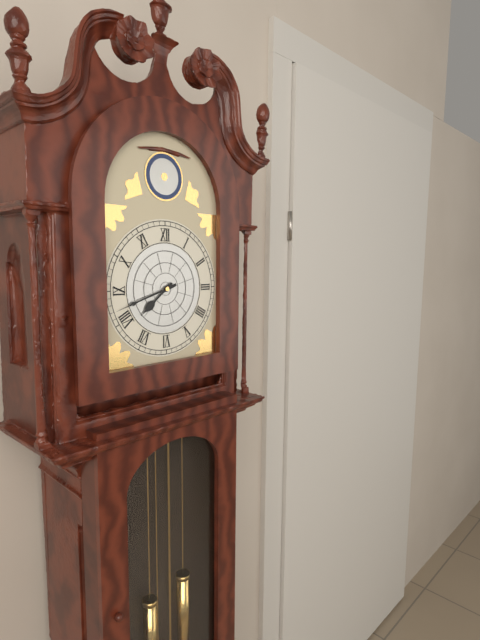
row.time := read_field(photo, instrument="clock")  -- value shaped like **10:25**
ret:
**7:42**
